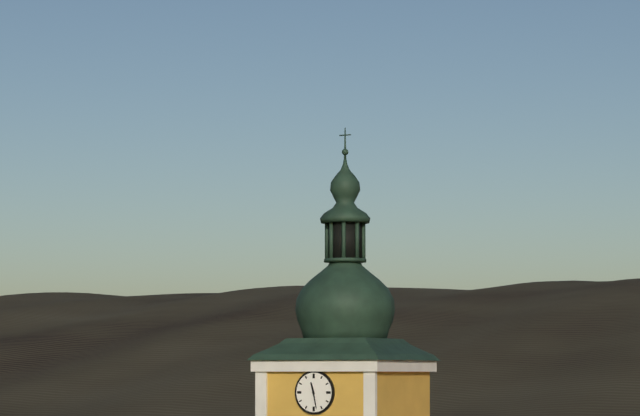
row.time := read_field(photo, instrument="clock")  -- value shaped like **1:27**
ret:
**11:28**
